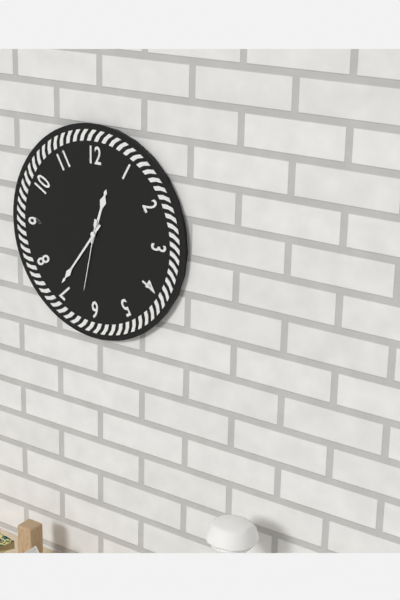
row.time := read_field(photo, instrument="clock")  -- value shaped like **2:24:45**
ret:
**12:36:32**
